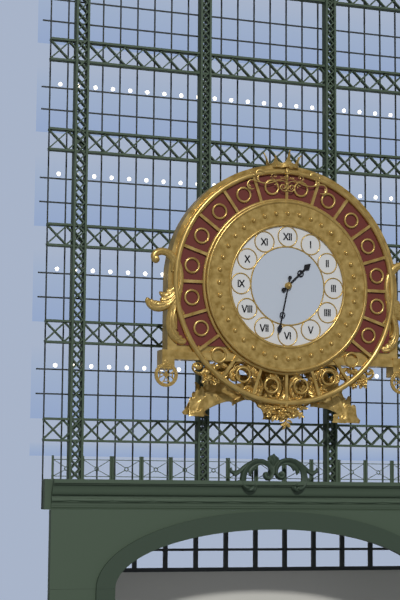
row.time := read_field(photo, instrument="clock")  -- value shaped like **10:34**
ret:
**1:32**
